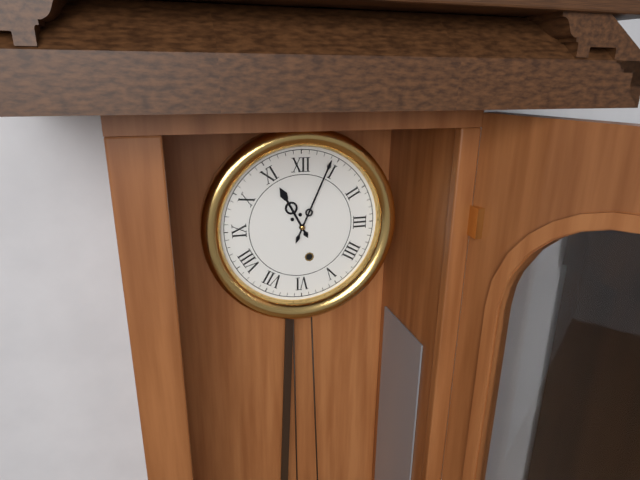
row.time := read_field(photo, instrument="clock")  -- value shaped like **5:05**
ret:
**11:04**
